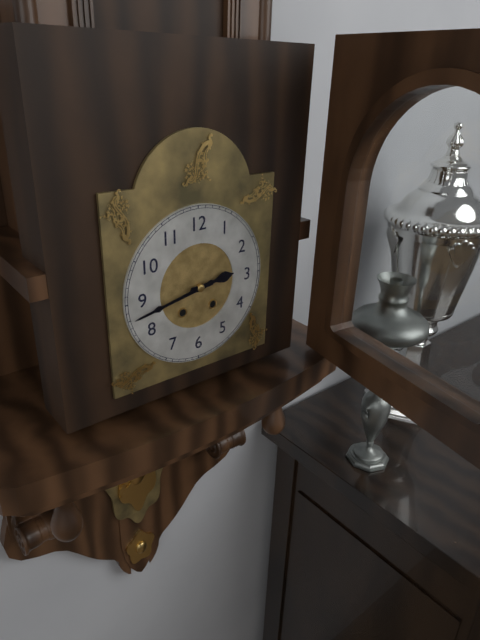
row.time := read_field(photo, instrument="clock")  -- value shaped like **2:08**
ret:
**2:43**
